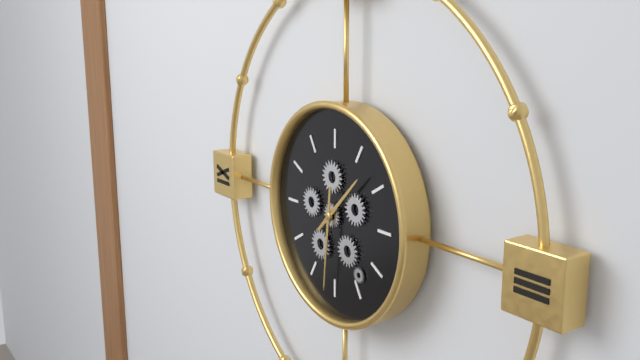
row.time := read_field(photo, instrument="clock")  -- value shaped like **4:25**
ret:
**1:31**
